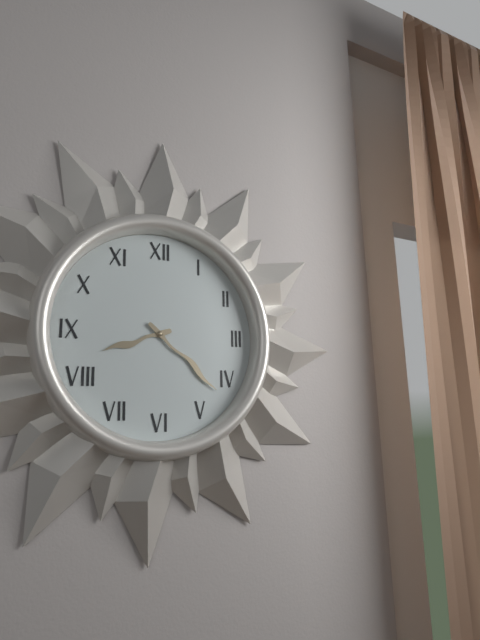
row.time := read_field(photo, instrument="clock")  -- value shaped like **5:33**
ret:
**8:22**
